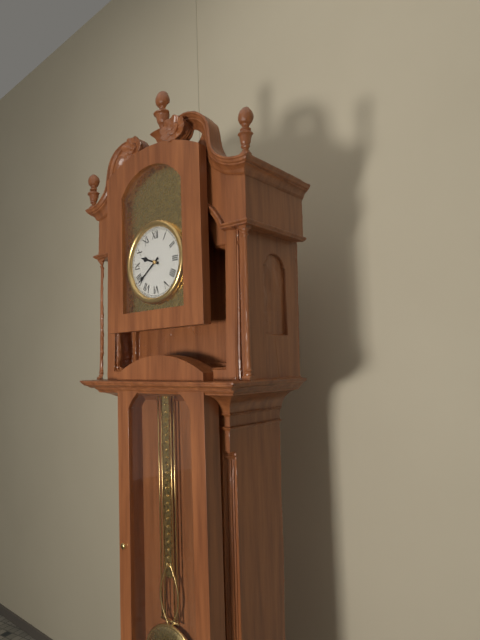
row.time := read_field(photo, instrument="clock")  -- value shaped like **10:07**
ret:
**9:39**
